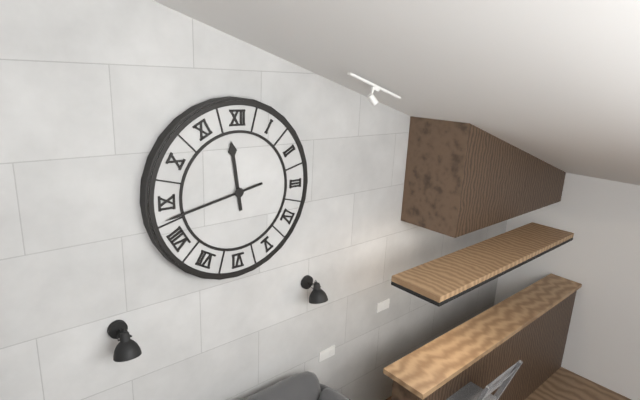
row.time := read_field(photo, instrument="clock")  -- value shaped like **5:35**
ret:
**11:43**
